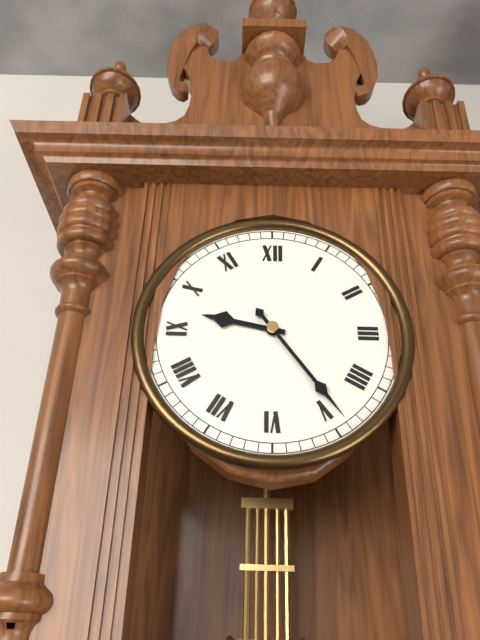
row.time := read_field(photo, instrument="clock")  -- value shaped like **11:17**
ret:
**9:24**
